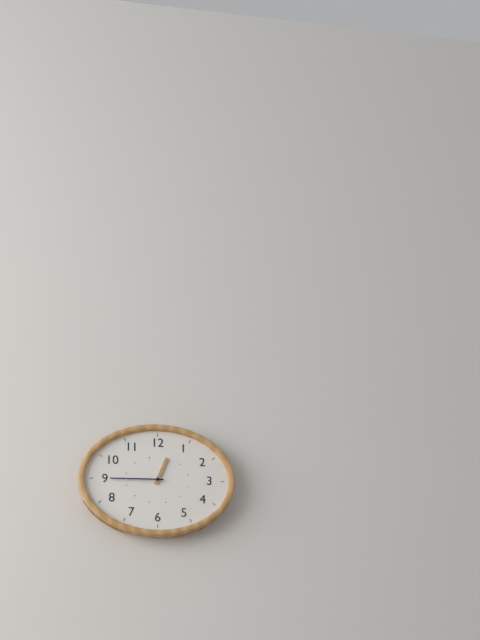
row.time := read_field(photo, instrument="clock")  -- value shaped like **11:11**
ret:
**12:45**
